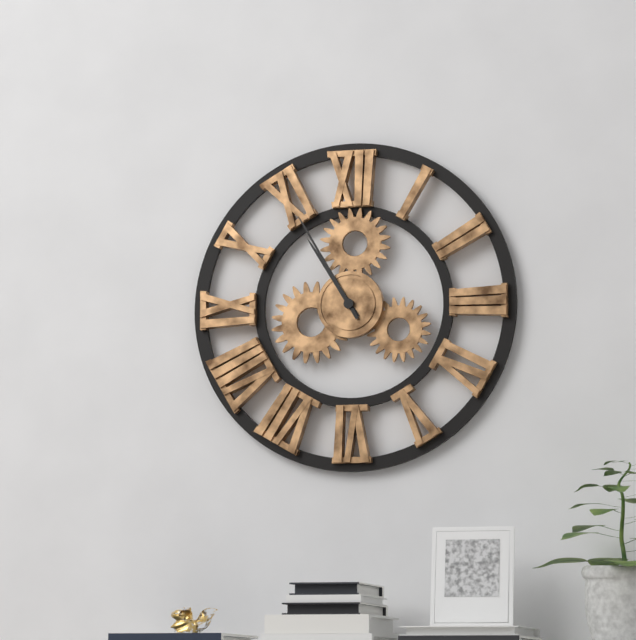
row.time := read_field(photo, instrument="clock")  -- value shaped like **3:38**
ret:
**10:55**
